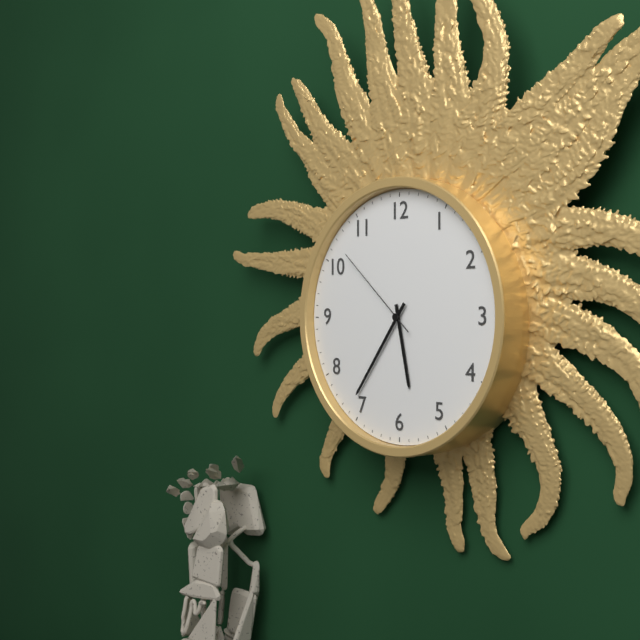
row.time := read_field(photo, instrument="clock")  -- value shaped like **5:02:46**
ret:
**5:36:52**
